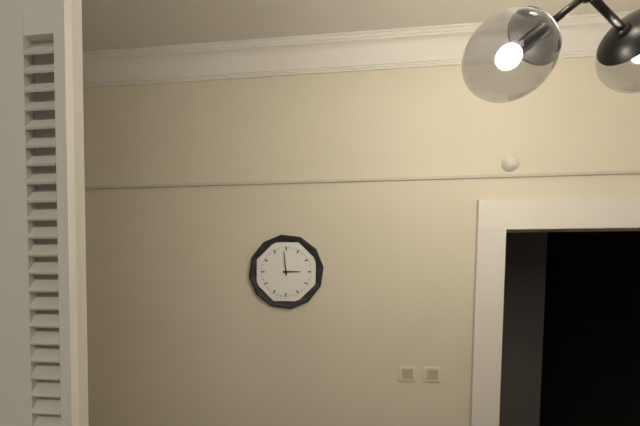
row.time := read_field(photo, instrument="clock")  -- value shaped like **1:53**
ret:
**2:59**
